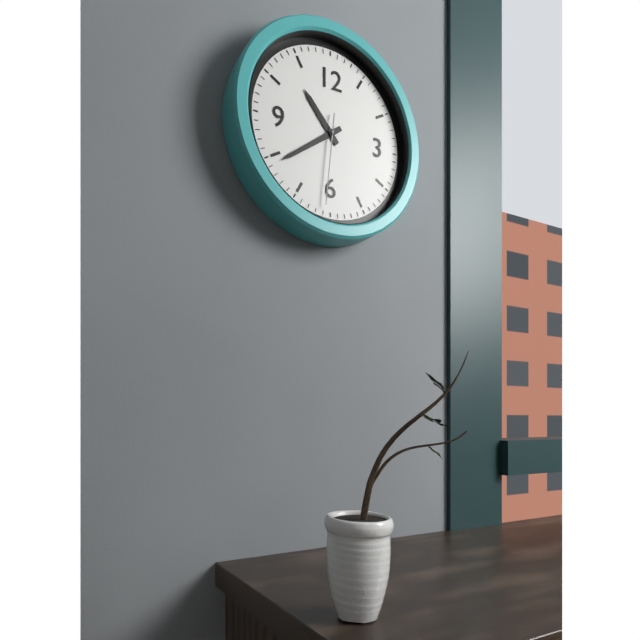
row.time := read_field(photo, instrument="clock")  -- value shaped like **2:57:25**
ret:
**10:39:31**
